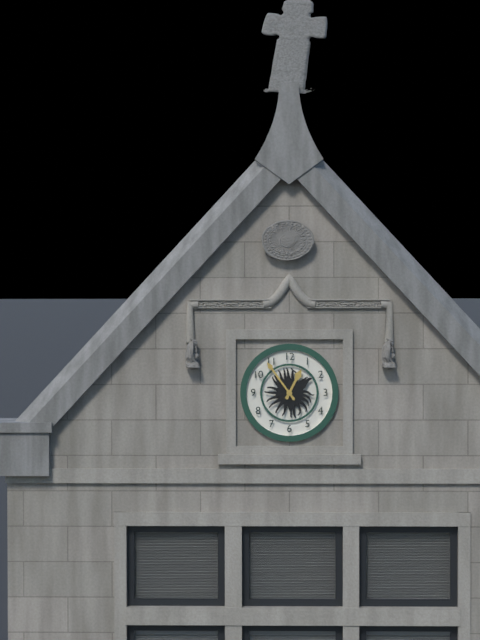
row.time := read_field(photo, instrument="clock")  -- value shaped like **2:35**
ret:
**12:54**
